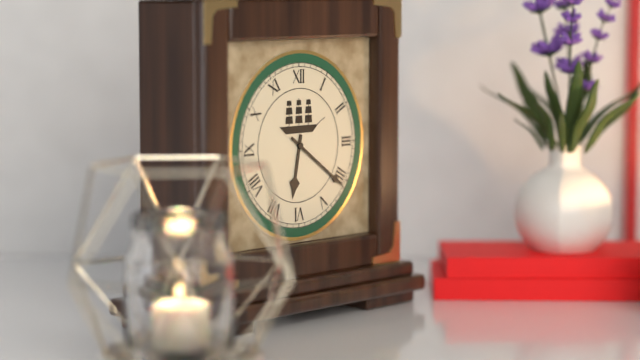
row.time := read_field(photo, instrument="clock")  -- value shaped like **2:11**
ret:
**6:21**
